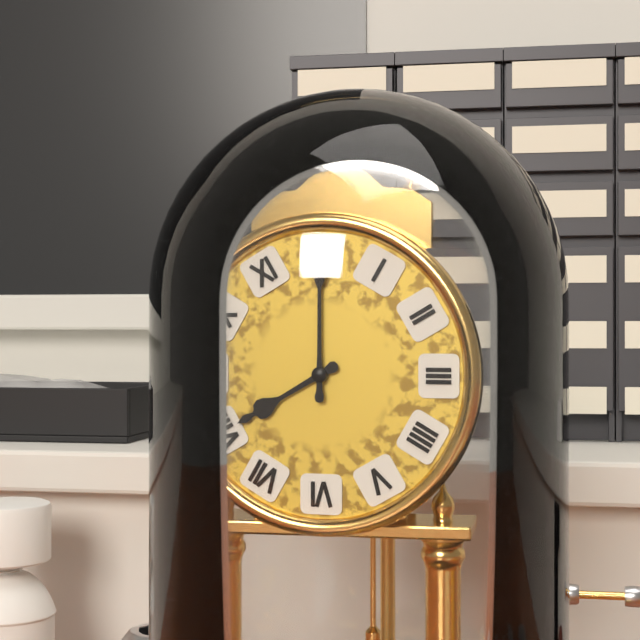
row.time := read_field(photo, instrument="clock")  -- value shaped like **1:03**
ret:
**8:00**
